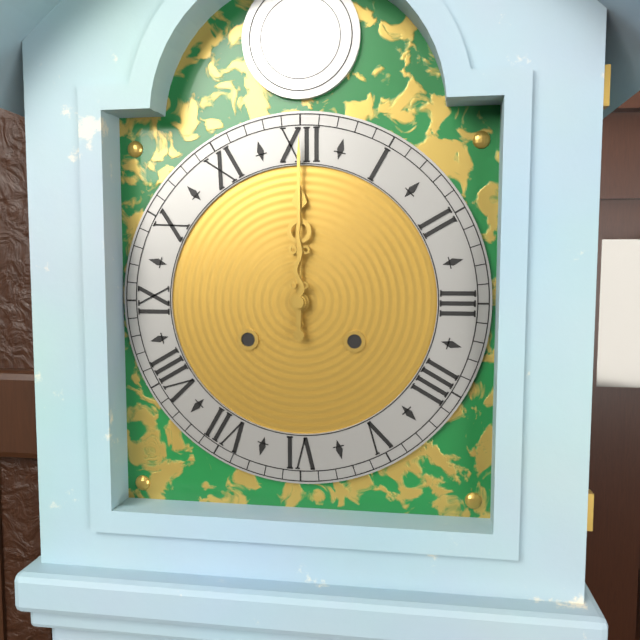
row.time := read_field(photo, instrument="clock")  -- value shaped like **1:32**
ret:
**12:00**
